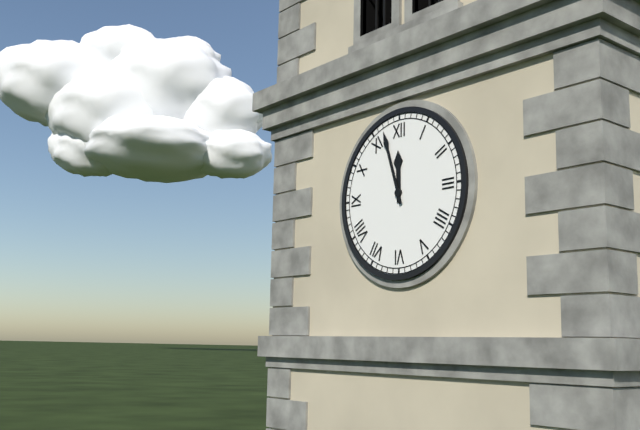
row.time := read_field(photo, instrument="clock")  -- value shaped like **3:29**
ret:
**11:57**
